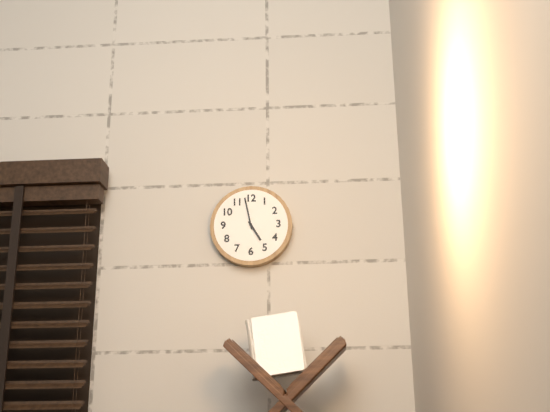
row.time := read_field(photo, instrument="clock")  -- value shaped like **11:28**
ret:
**4:58**
